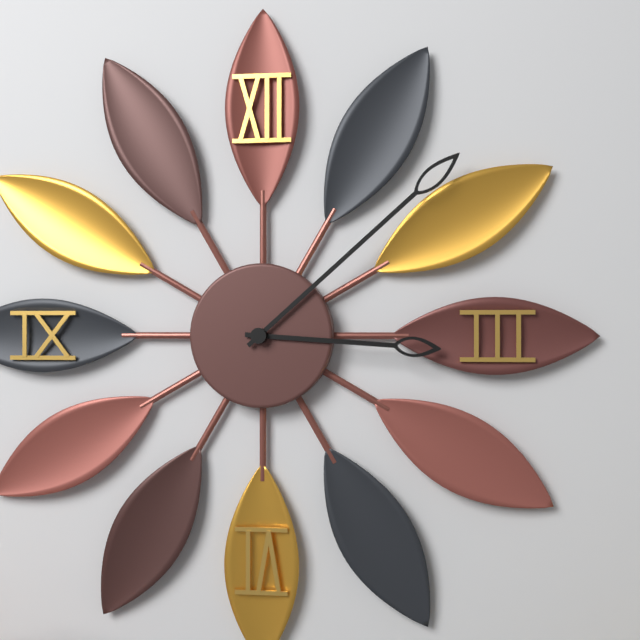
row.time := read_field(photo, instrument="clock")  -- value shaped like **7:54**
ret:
**3:08**
